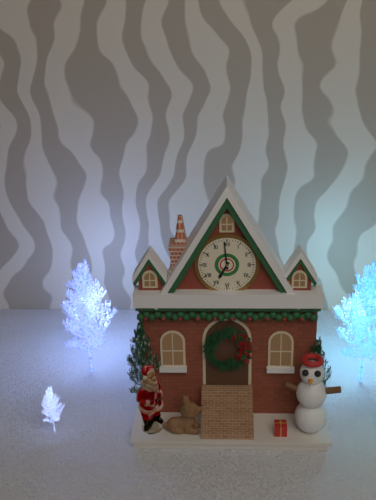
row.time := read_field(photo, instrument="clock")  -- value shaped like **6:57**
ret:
**6:59**
